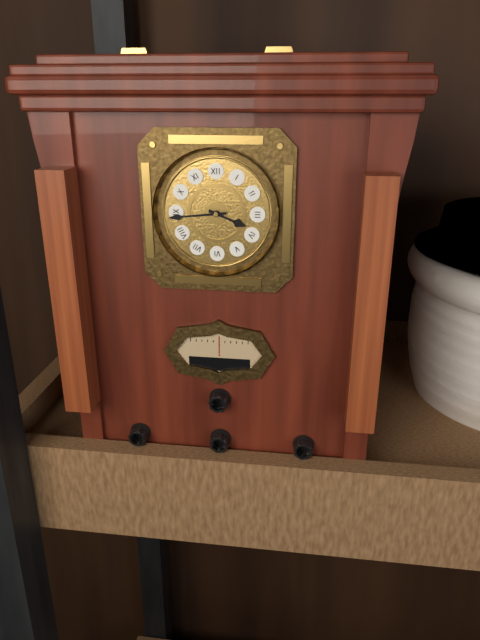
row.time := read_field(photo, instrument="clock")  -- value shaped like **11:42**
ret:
**3:44**
